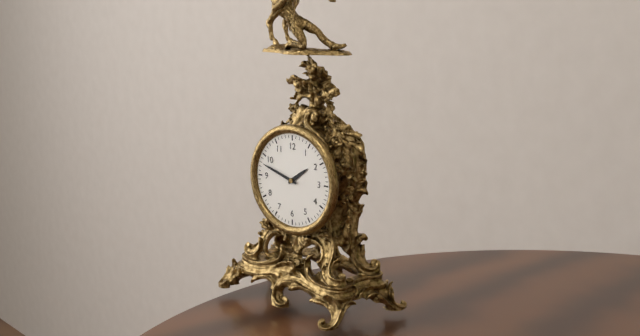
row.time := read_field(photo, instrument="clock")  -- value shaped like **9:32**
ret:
**1:48**
